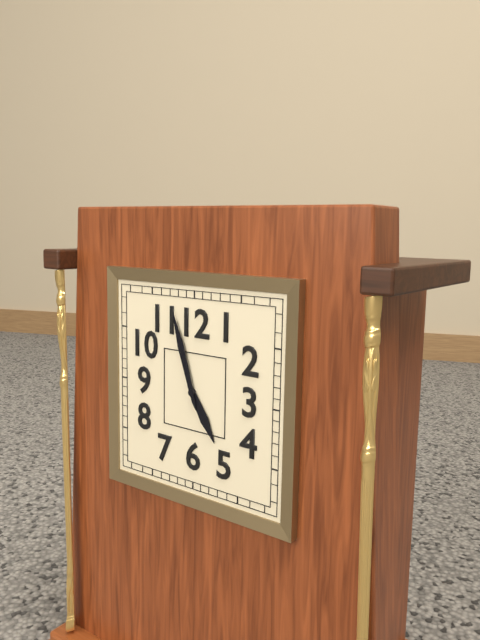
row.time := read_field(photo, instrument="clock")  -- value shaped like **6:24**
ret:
**4:57**
